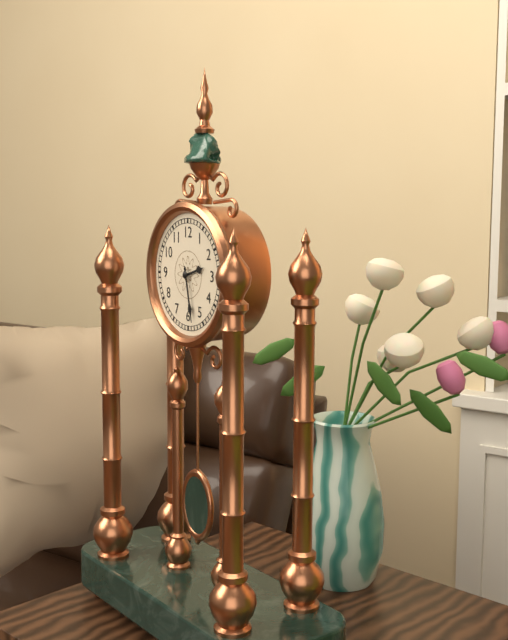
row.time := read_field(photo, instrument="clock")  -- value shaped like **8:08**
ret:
**2:28**
